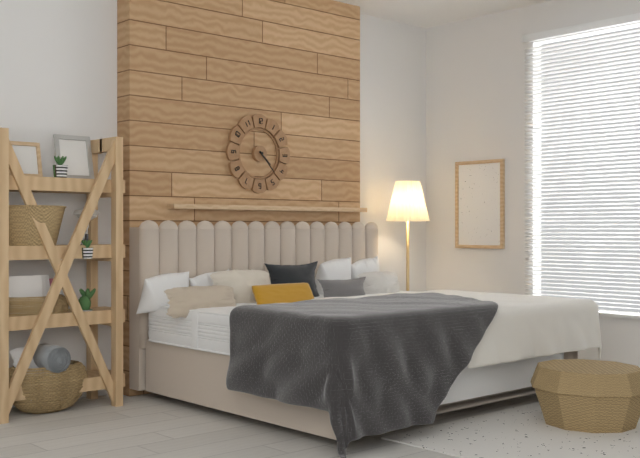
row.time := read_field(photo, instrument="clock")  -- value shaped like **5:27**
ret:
**4:23**
